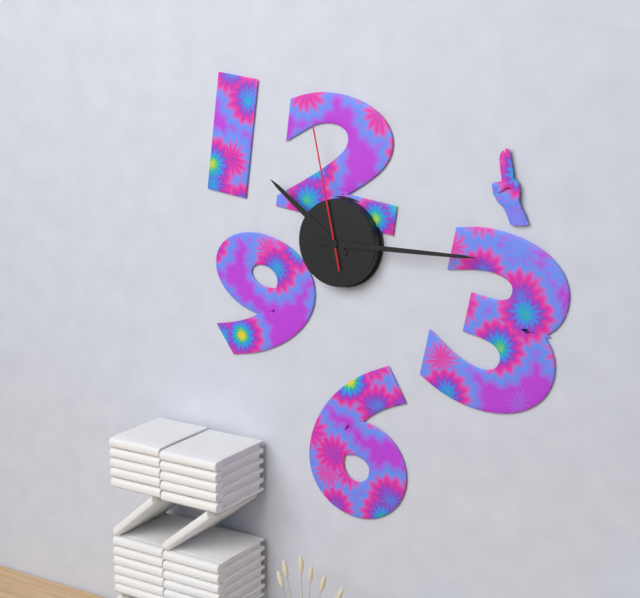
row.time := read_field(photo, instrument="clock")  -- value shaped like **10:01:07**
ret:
**10:15:58**
